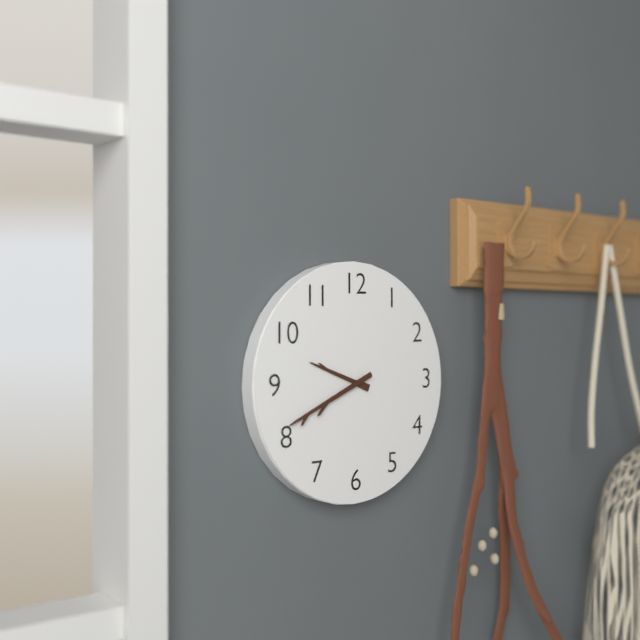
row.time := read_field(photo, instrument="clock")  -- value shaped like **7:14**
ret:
**9:41**
